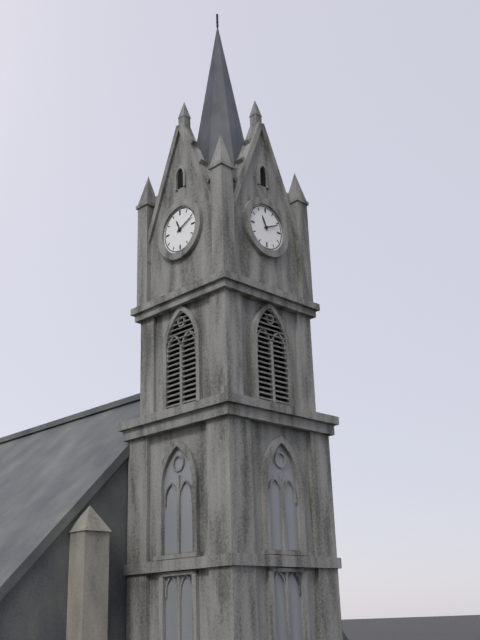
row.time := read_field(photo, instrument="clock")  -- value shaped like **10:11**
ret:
**11:11**
